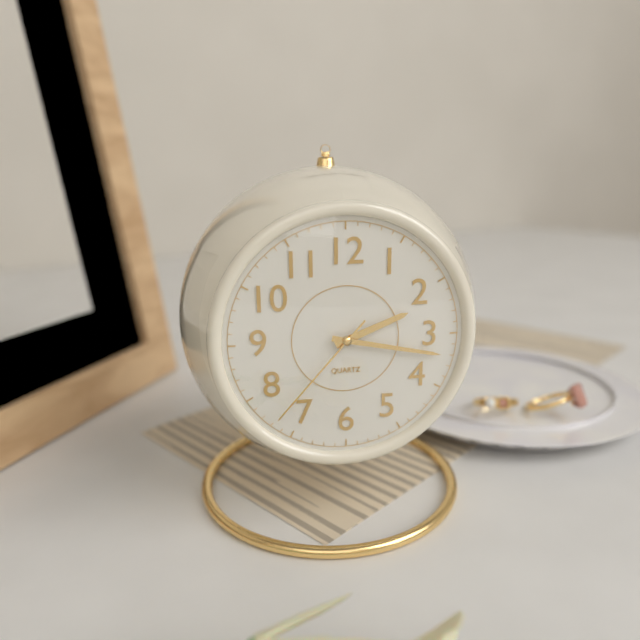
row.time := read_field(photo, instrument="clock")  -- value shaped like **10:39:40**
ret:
**2:17:37**
